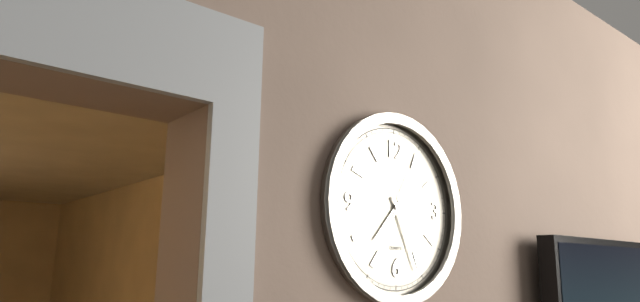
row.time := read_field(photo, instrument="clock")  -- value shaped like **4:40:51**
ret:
**7:26:05**
